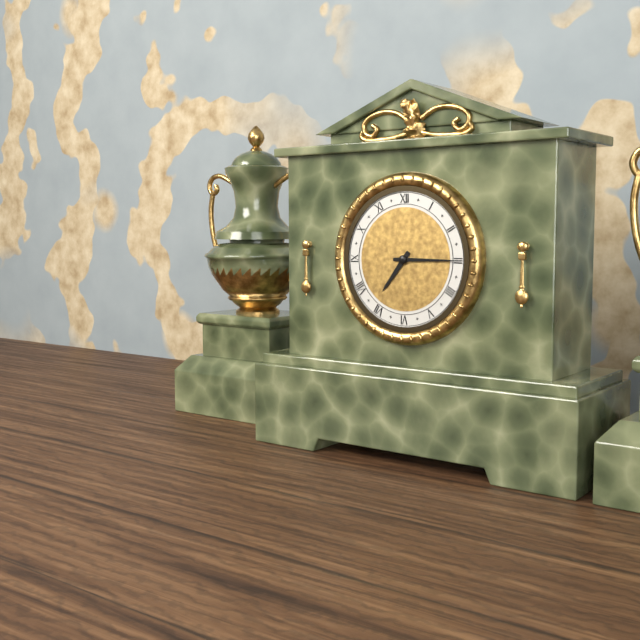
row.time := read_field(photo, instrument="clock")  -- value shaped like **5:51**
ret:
**7:15**
